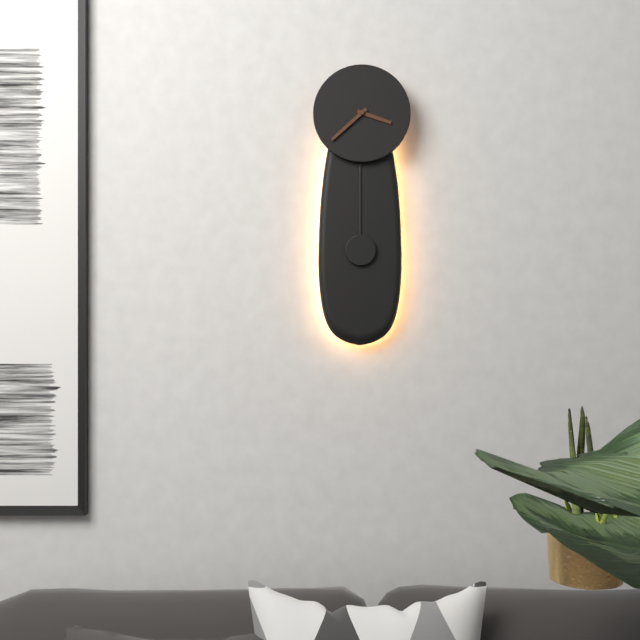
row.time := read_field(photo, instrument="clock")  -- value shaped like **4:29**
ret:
**3:38**
